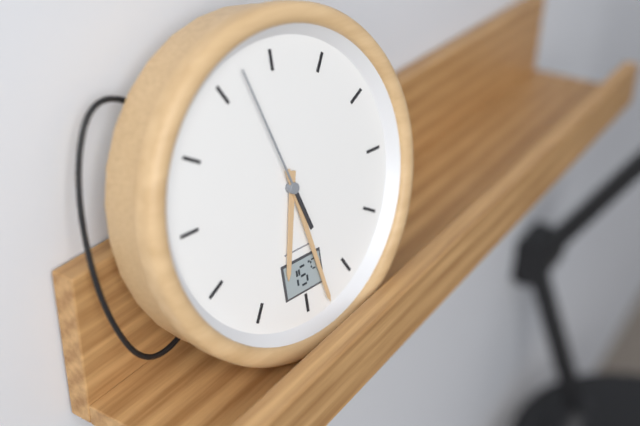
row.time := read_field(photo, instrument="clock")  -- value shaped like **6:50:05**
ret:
**6:28:57**
